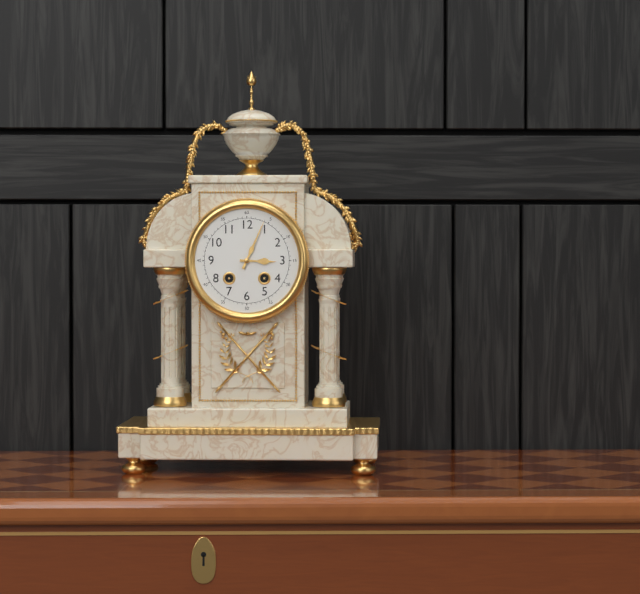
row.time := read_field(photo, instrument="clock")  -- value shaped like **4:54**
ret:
**3:04**
